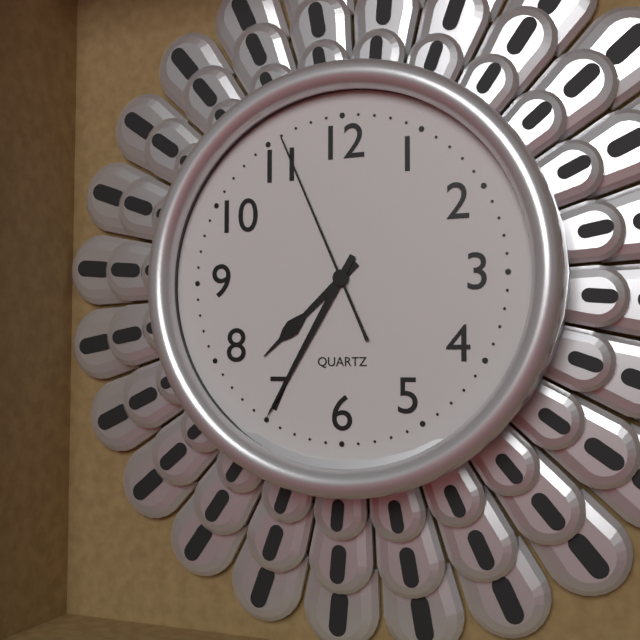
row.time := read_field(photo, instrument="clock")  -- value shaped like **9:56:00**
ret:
**7:35:56**
